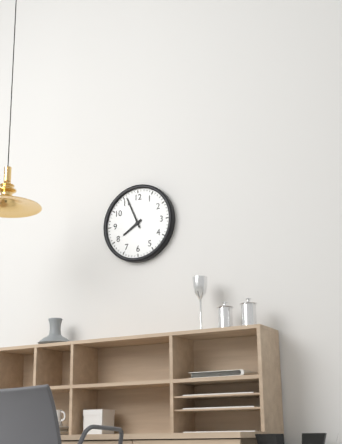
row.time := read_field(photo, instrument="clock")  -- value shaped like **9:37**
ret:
**7:56**
